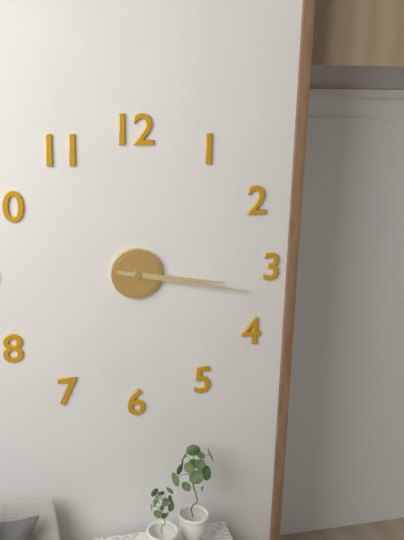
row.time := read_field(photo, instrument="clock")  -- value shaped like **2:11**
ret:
**3:17**
